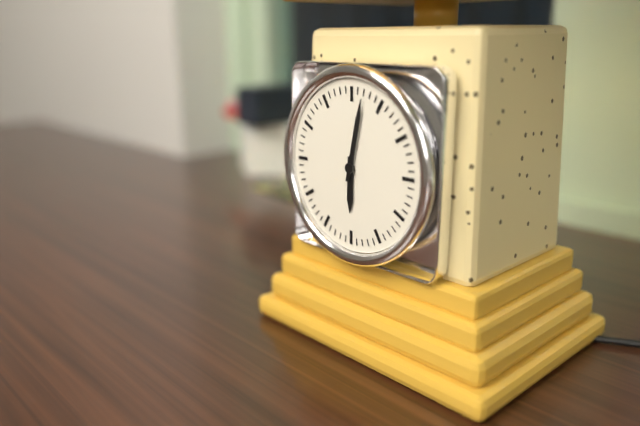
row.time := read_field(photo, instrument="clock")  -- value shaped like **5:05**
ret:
**6:02**
